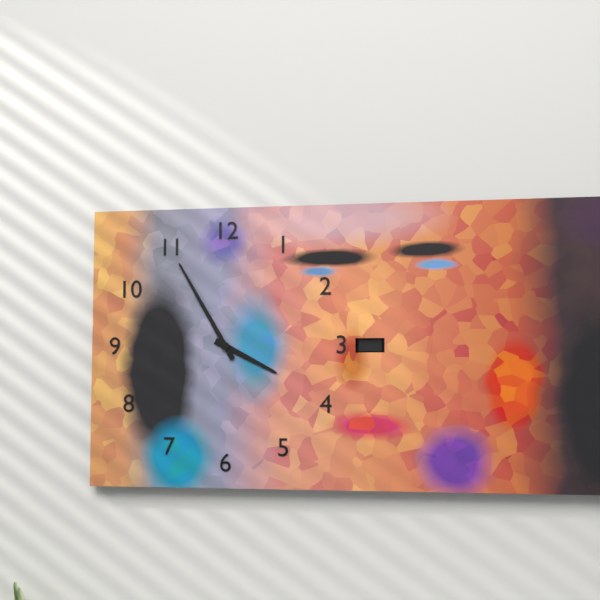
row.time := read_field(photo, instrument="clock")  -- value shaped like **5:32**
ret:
**3:55**
